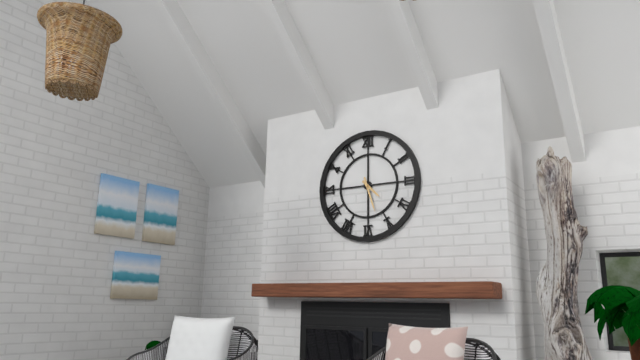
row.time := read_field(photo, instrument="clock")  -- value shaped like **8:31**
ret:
**4:27**
